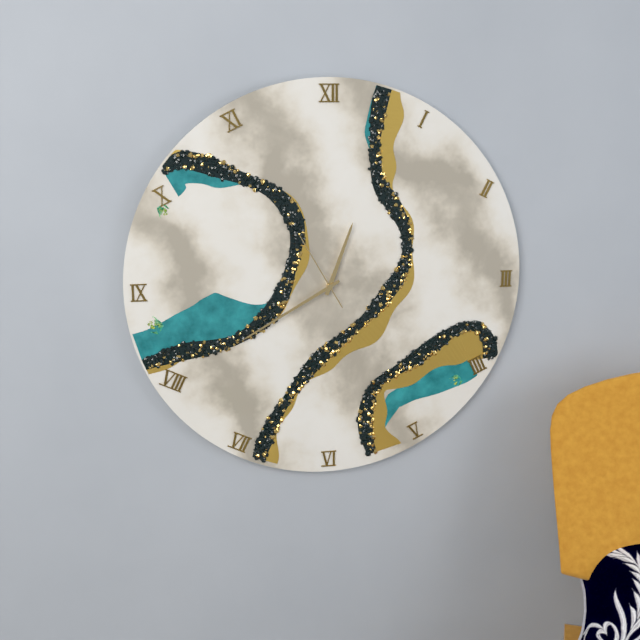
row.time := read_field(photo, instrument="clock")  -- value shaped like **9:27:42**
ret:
**12:40:55**
